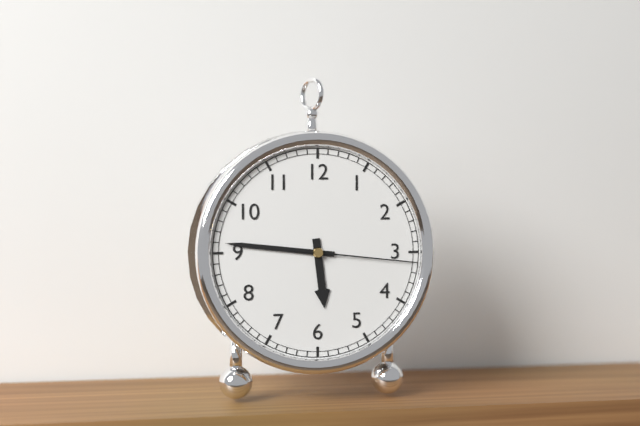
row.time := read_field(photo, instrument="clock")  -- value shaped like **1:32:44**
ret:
**5:46:16**
